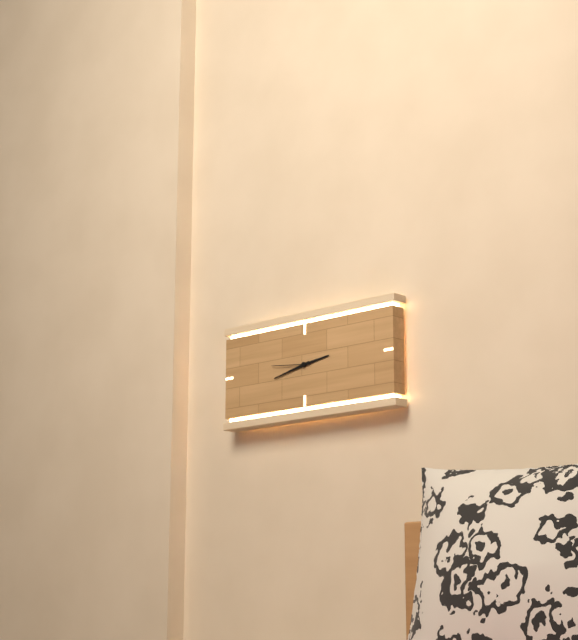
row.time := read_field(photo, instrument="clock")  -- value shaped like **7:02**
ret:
**2:43**
